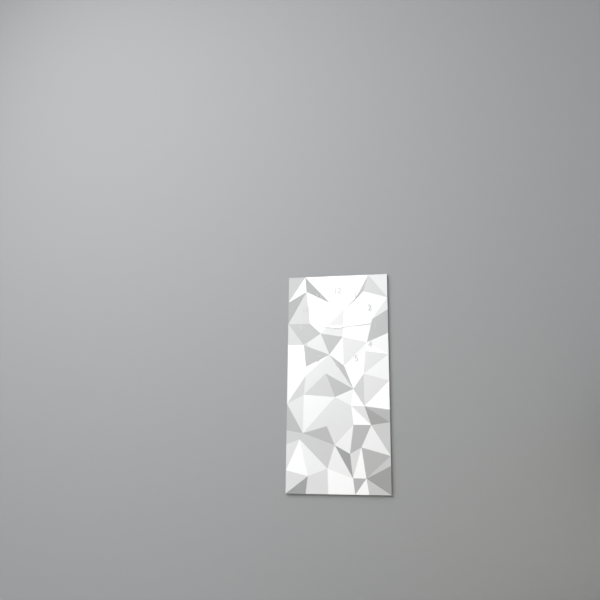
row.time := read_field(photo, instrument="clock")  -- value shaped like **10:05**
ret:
**9:14**
